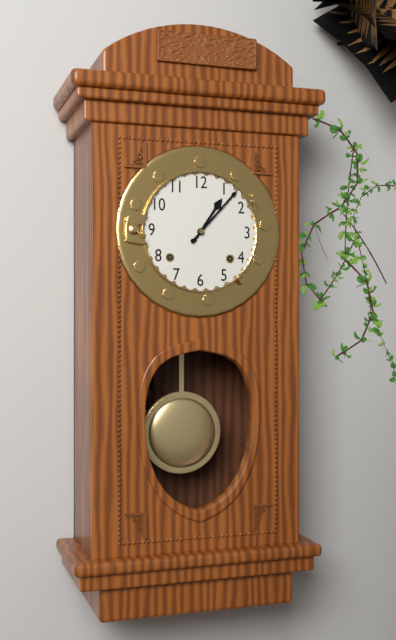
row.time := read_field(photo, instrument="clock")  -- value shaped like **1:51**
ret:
**1:07**
